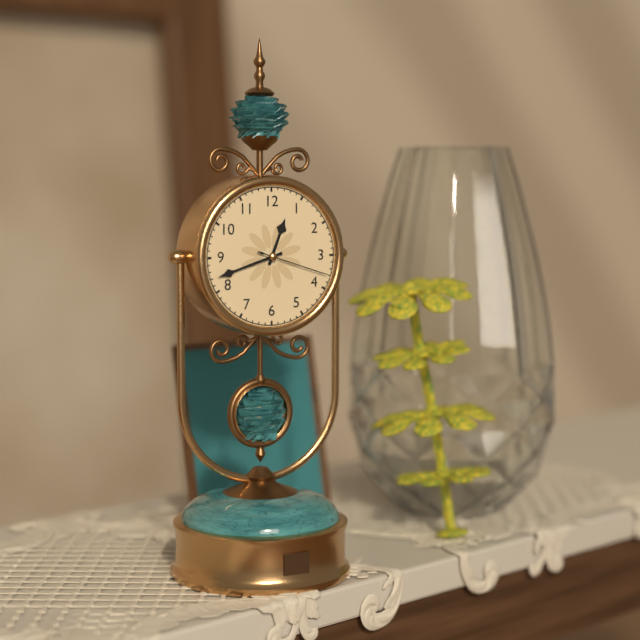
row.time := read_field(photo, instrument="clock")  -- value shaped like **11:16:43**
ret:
**12:42:18**
